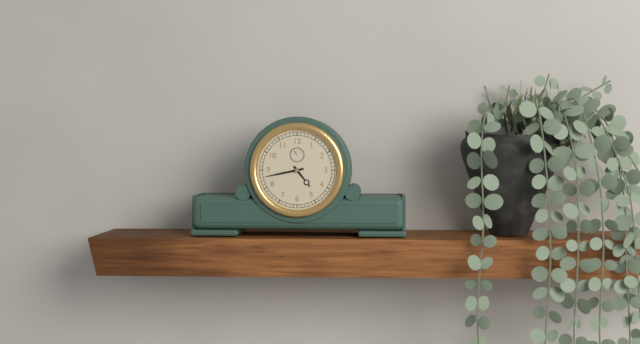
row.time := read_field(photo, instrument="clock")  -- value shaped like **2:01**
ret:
**4:43**
